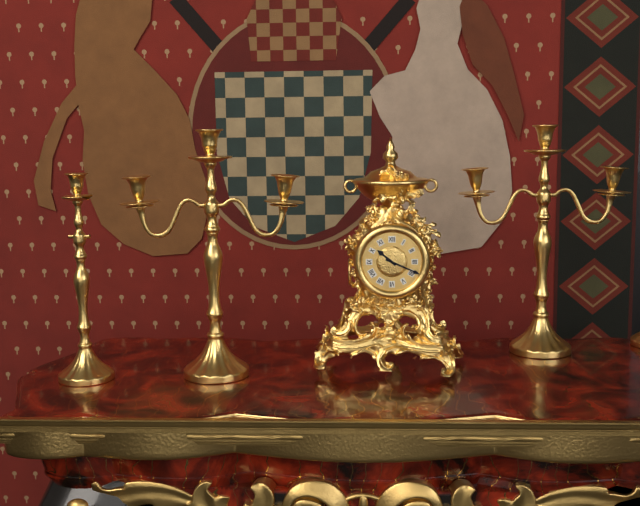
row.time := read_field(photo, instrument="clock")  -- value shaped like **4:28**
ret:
**10:19**
